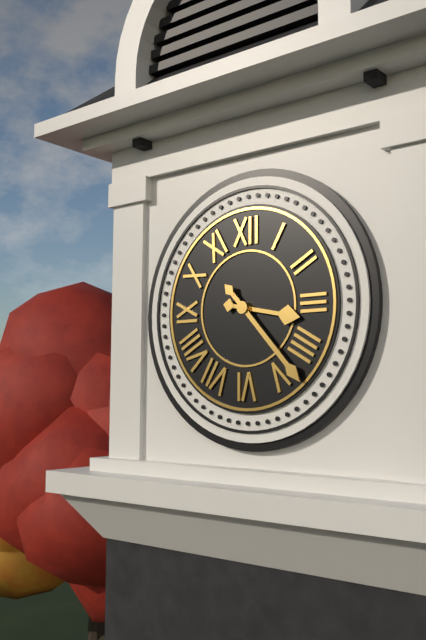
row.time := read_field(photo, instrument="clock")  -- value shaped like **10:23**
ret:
**3:23**
